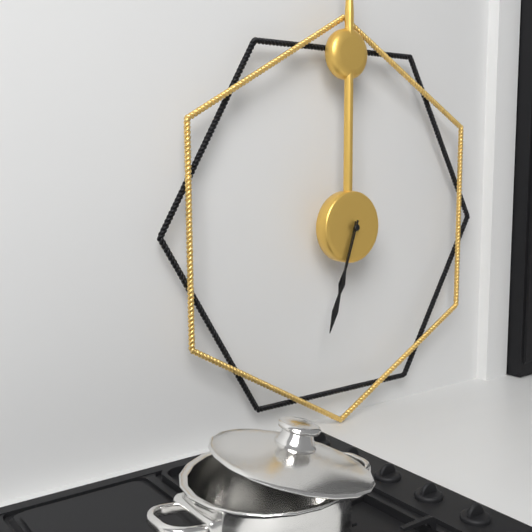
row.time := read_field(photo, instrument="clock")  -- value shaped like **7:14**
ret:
**6:33**
